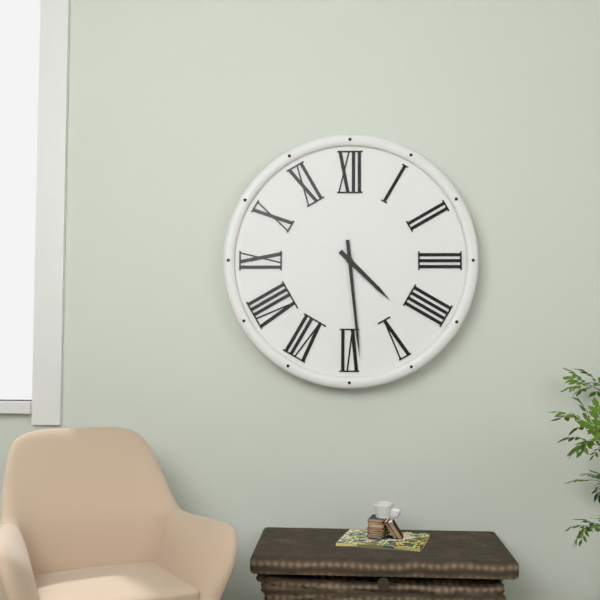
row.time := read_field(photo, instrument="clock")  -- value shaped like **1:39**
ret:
**4:29**
